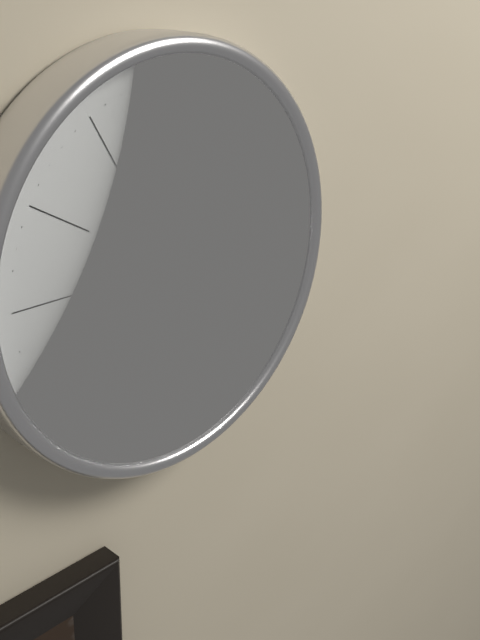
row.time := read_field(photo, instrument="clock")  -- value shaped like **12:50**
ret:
**8:40**
